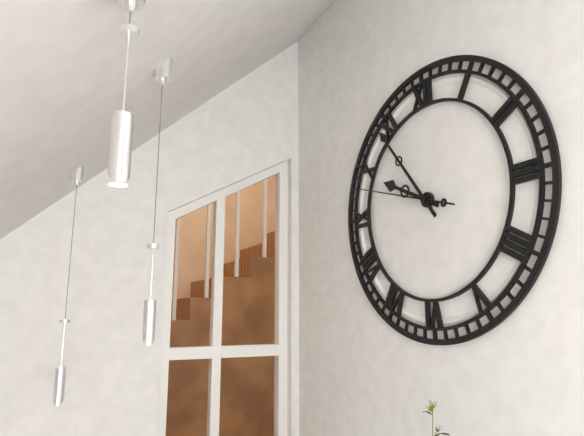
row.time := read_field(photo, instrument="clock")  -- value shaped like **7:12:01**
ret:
**9:54:48**
